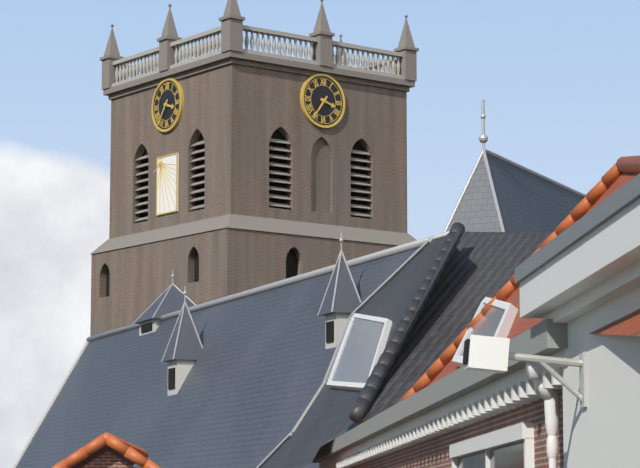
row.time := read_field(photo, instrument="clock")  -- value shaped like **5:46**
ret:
**3:36**
